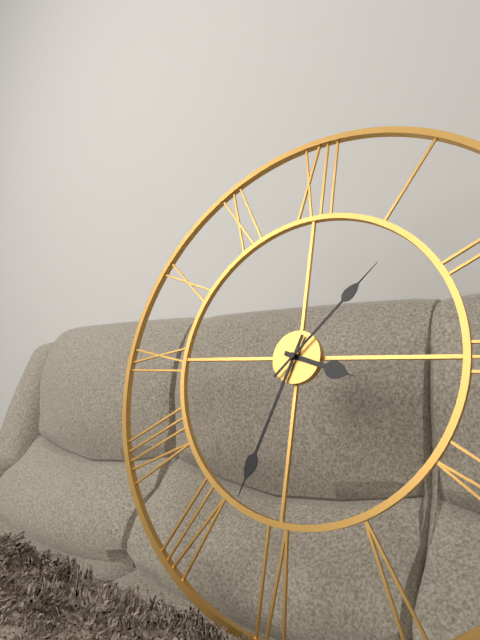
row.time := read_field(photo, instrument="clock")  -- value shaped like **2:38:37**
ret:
**3:33:07**
